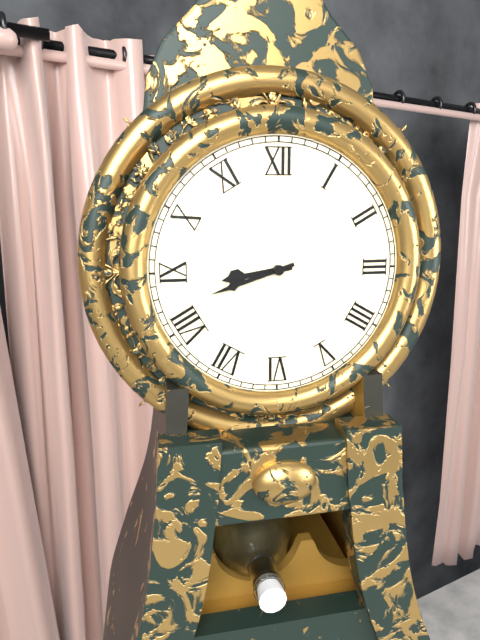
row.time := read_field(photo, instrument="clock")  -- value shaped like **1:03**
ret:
**8:42**
